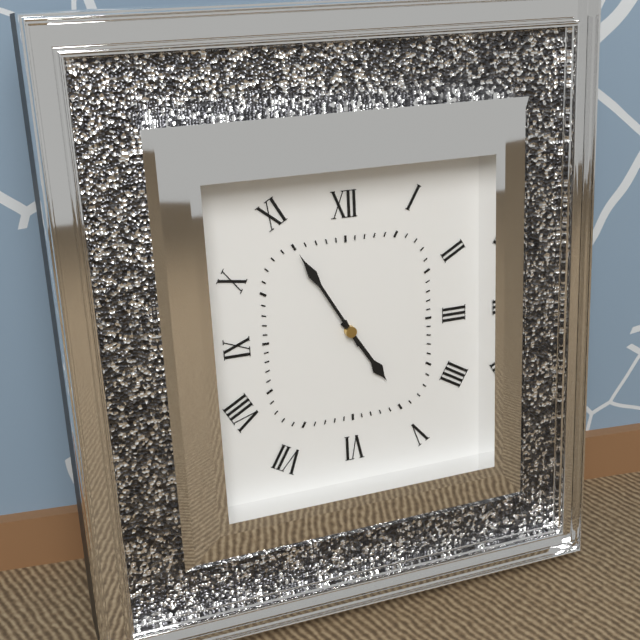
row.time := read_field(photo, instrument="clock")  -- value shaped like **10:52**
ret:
**4:55**
